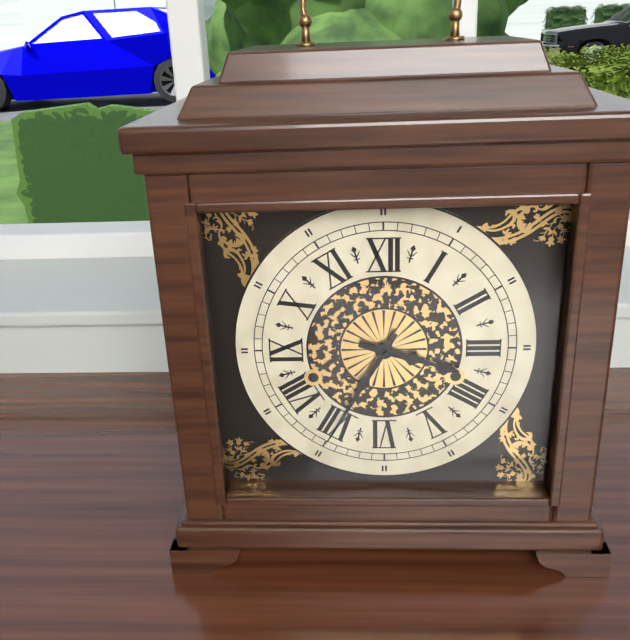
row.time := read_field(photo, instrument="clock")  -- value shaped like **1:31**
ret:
**3:35**
